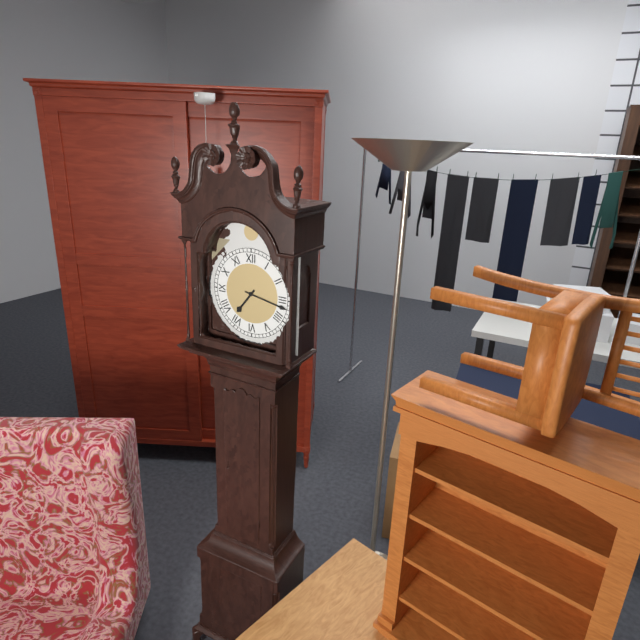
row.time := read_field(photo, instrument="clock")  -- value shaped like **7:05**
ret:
**7:17**
